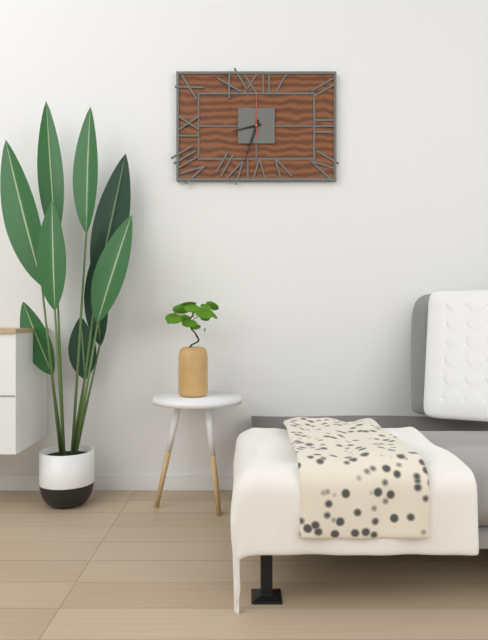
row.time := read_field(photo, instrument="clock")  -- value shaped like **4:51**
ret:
**8:33**
